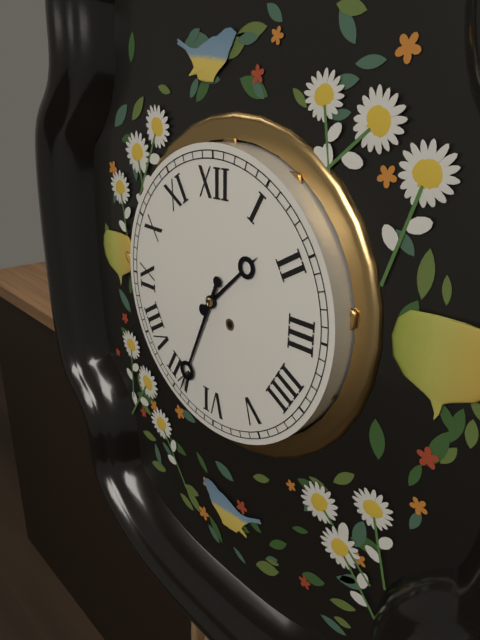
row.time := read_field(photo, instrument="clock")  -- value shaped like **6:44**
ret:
**1:34**
